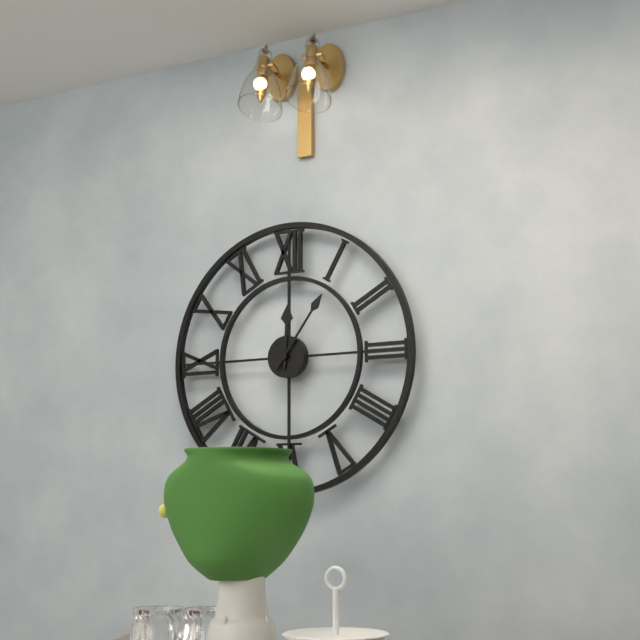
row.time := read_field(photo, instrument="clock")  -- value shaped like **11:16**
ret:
**12:06**
